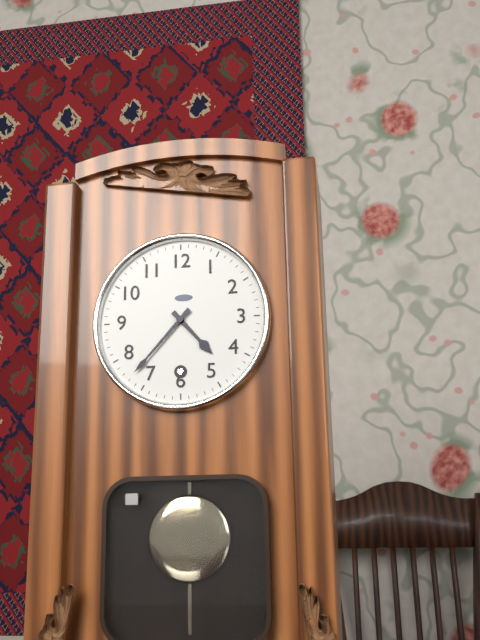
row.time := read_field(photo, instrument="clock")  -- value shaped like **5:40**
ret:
**4:37**
